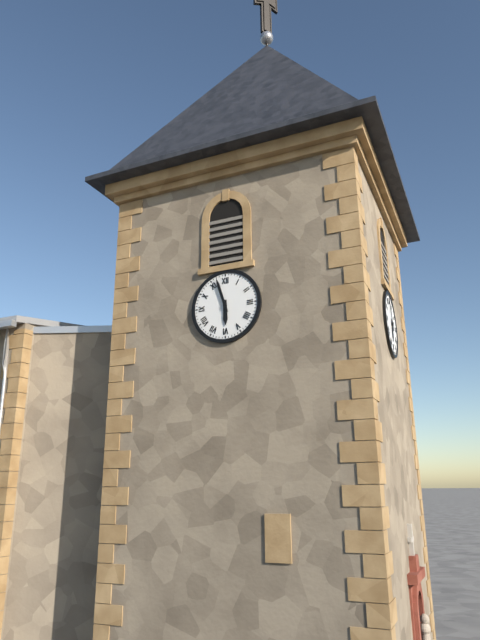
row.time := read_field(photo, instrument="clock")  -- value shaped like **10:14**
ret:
**5:57**
